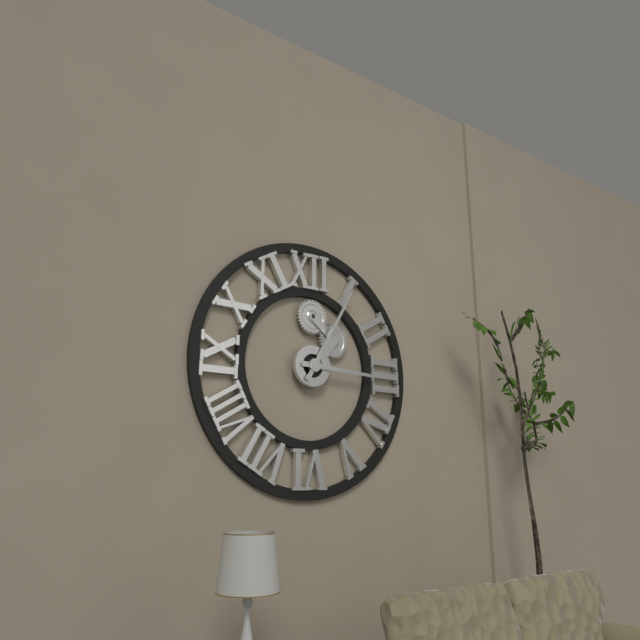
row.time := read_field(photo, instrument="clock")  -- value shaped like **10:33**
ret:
**3:05**
